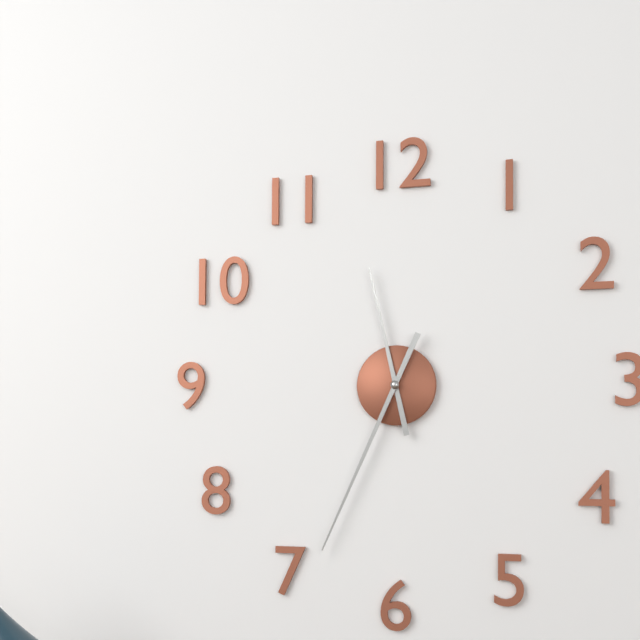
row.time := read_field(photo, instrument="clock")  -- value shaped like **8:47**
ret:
**11:34**
